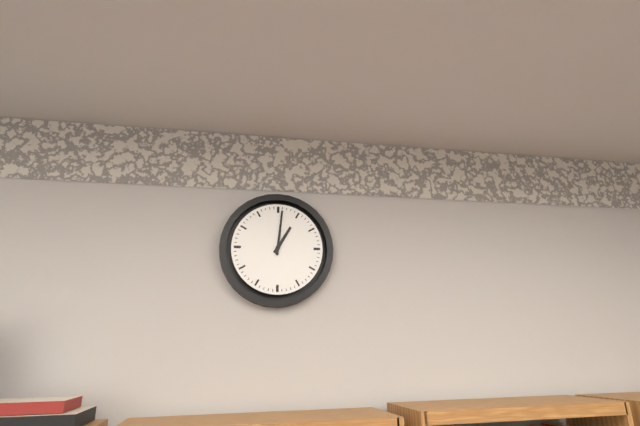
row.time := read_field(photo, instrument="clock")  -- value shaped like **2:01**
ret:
**1:01**
